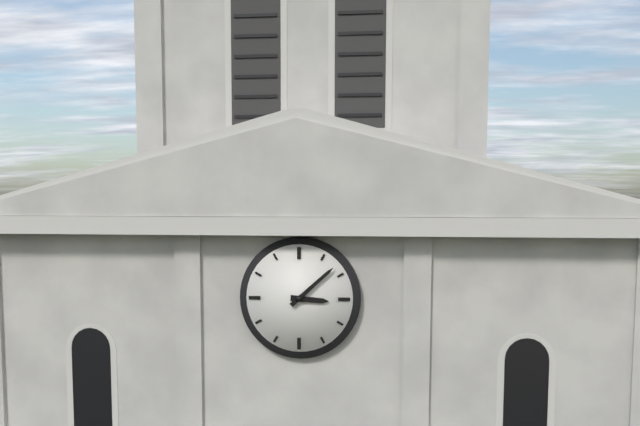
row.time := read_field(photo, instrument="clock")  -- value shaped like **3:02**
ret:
**3:08**
